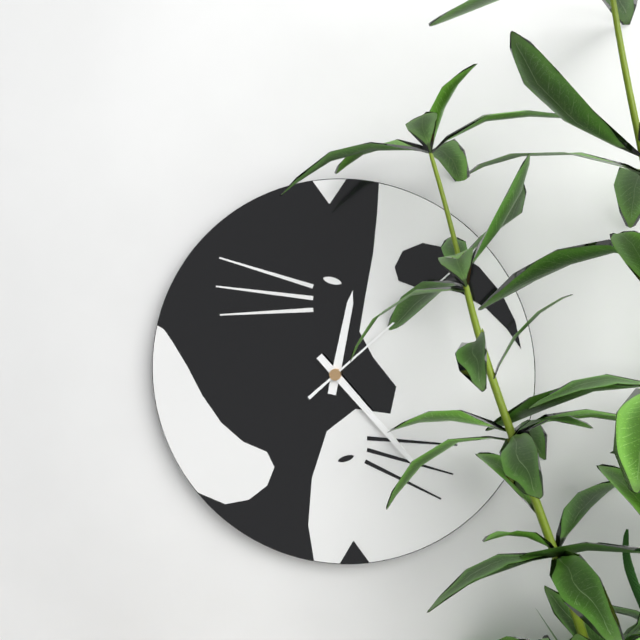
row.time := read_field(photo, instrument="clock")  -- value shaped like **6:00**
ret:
**12:23**
